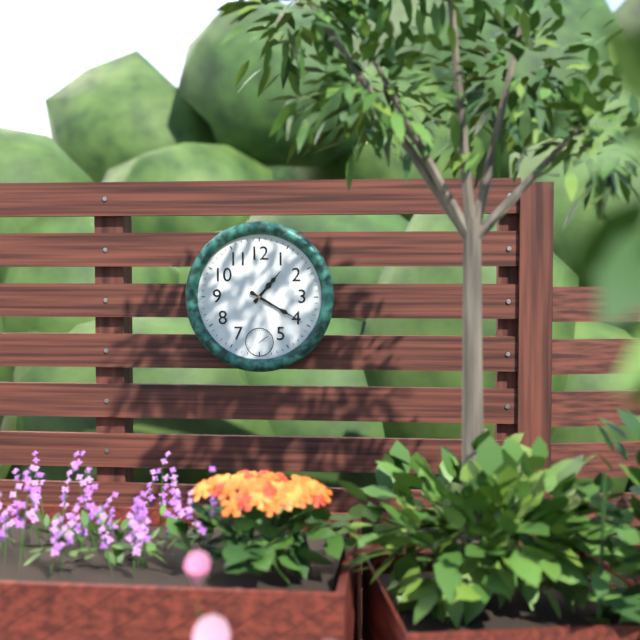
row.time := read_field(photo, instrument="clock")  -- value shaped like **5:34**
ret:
**1:20**
